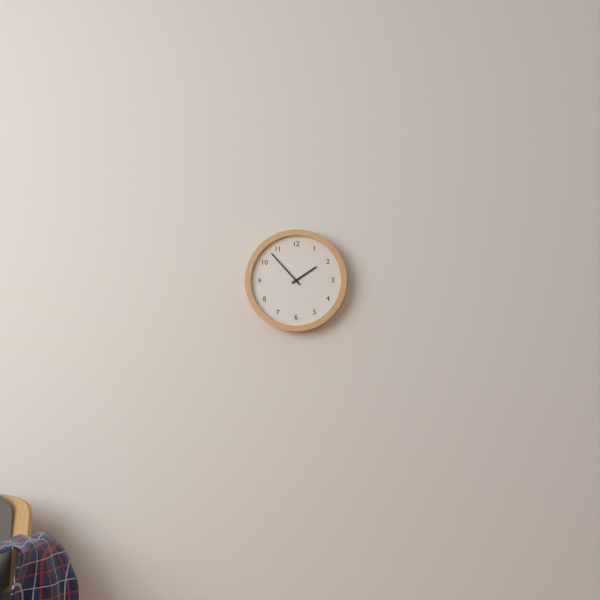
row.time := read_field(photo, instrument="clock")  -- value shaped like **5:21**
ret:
**1:53**
